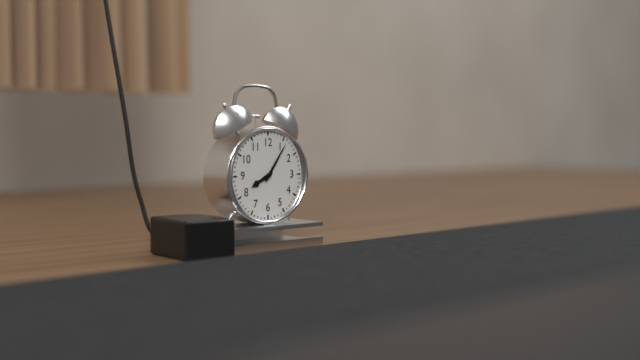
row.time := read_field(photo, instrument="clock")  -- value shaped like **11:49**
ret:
**8:06**
